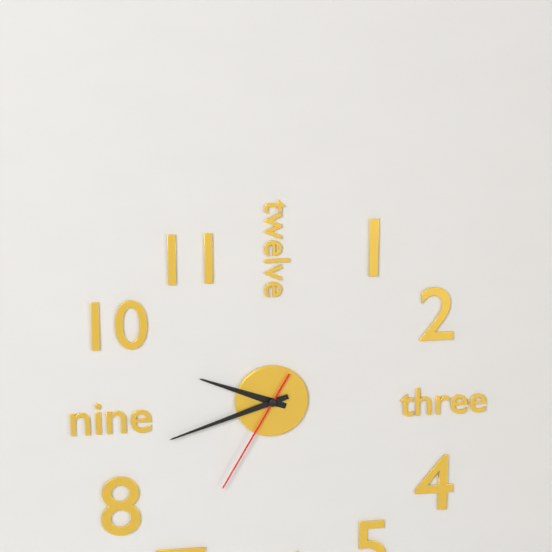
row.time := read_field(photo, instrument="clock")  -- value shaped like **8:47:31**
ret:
**9:42:35**
